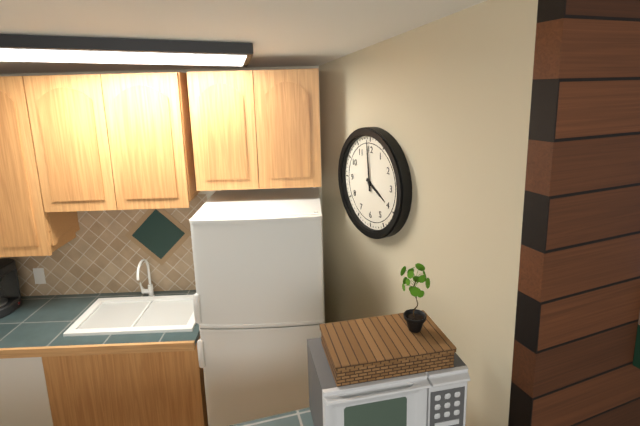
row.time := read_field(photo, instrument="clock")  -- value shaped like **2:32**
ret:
**3:59**
